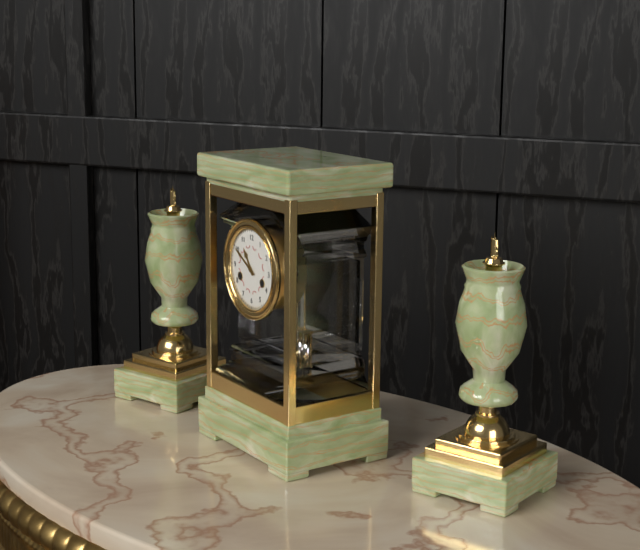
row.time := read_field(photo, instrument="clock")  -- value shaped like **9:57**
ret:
**10:50**
